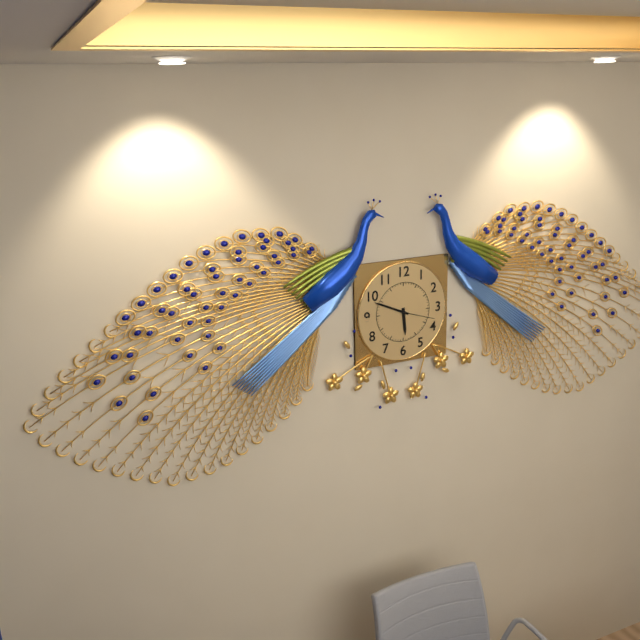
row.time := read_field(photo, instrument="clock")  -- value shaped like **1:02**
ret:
**5:49**
